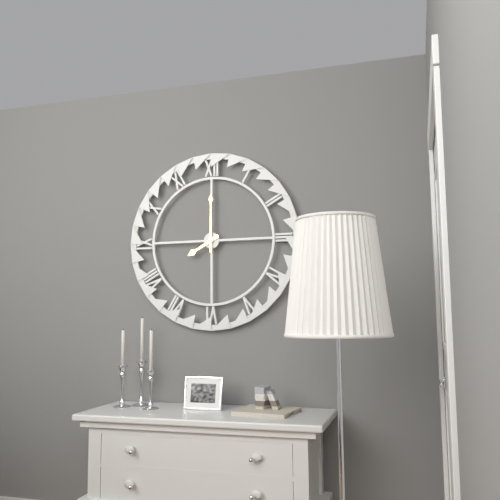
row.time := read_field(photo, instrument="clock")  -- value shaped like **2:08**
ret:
**8:00**
